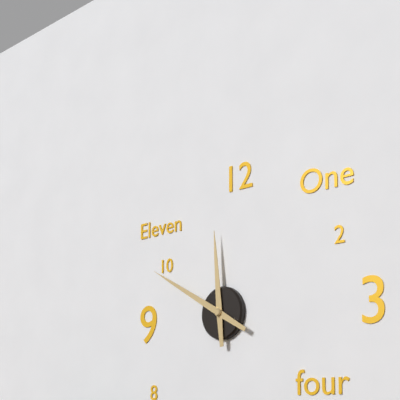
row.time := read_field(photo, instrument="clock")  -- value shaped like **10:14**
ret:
**11:50**
